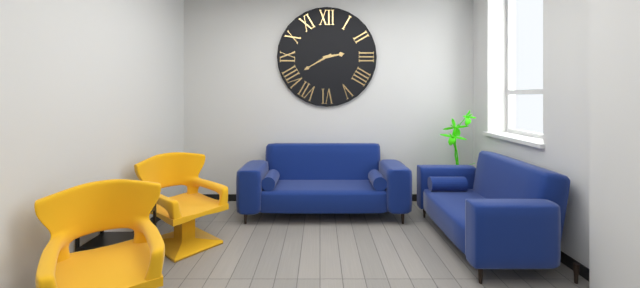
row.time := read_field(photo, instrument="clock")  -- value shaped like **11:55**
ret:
**2:40**
